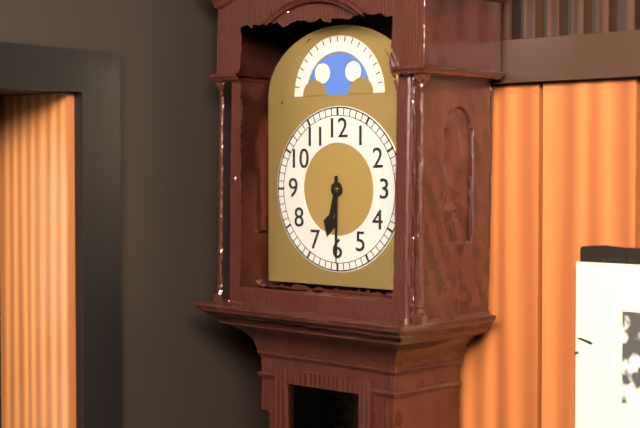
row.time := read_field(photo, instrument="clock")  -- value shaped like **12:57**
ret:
**6:30**
